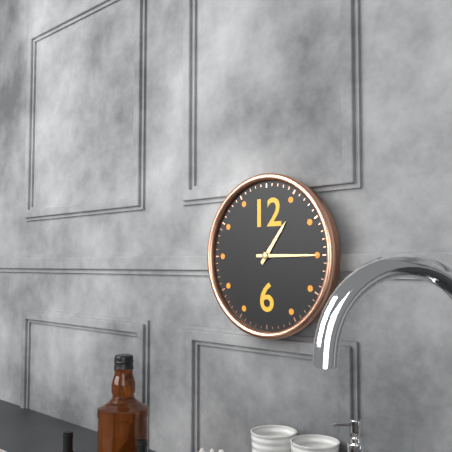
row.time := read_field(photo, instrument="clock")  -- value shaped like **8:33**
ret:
**1:15**
